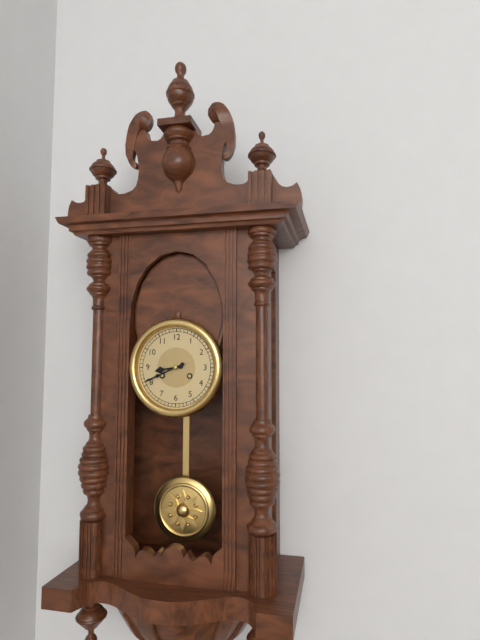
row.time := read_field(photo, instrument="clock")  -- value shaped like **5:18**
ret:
**8:41**
